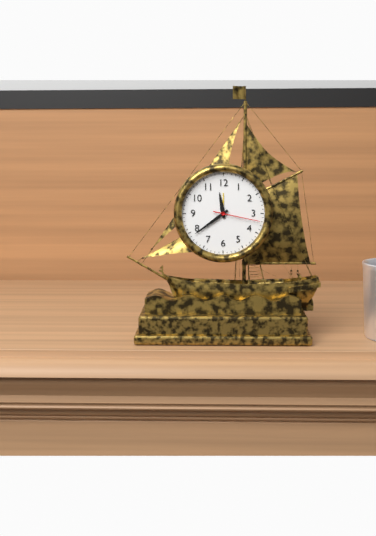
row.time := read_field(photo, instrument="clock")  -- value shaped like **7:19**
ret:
**11:39**
